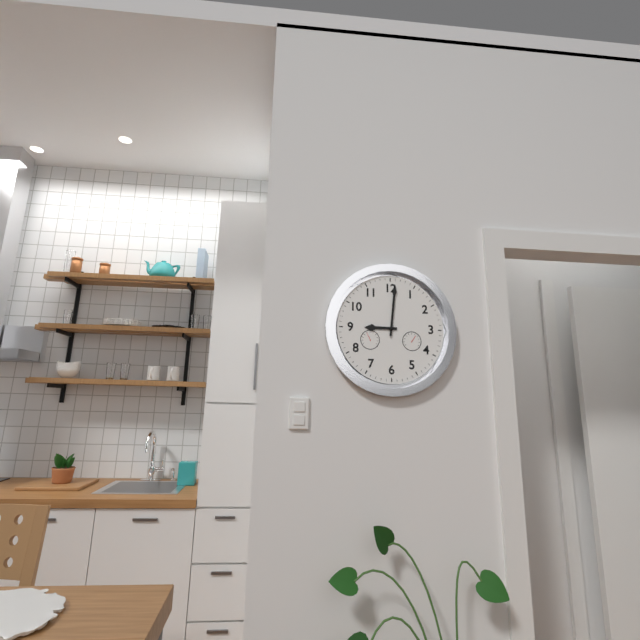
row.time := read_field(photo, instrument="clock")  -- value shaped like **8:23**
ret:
**9:01**
